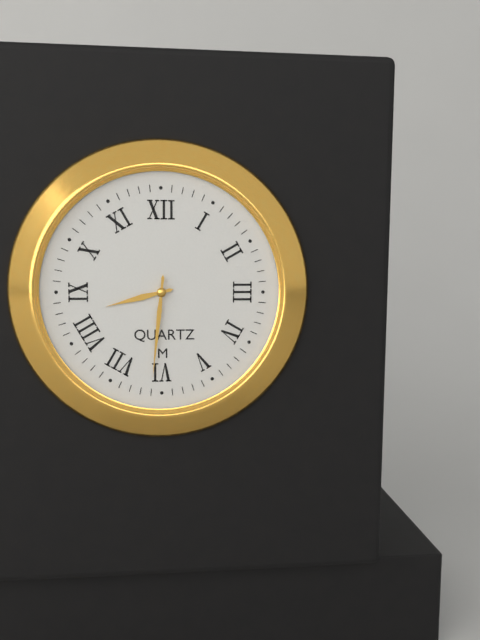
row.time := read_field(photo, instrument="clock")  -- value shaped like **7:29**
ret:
**8:31**
